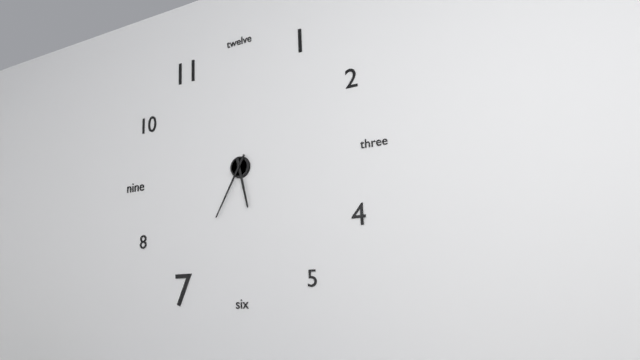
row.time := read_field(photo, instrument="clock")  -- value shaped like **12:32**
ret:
**5:35**
